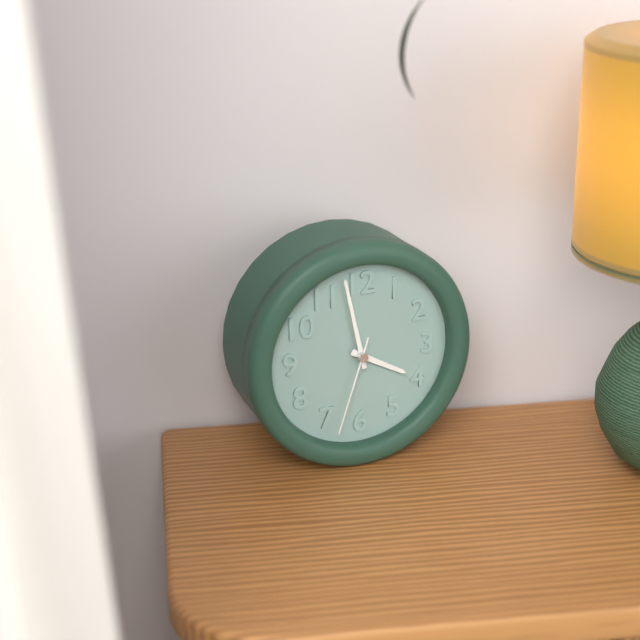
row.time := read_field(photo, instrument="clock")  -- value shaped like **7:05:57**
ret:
**3:58:33**
